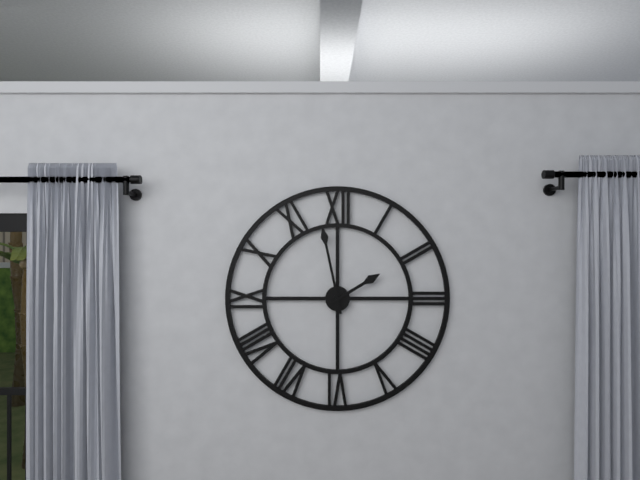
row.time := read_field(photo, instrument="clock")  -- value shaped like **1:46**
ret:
**1:58**
